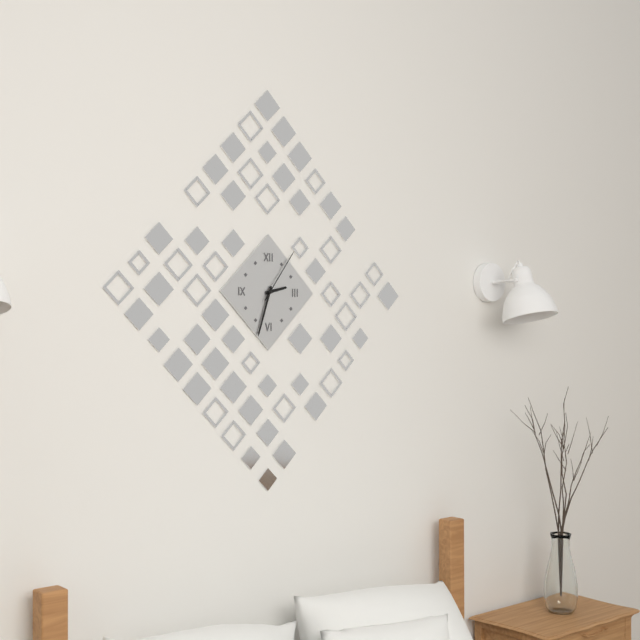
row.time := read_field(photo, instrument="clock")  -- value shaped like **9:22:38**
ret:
**2:33:06**
